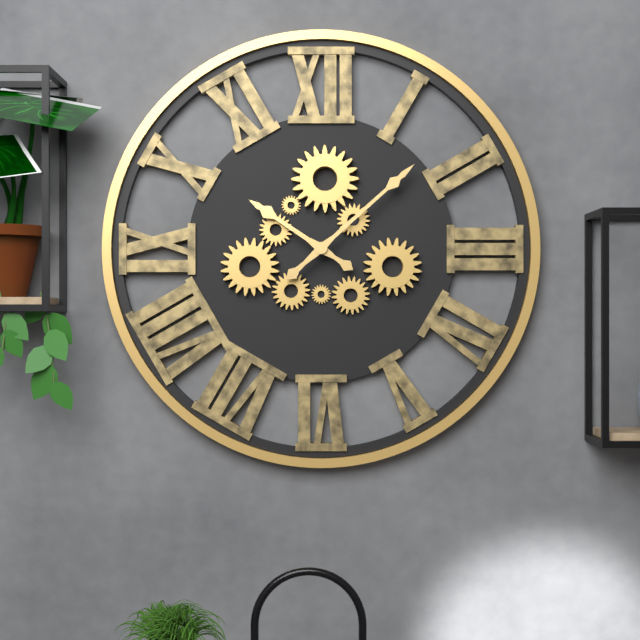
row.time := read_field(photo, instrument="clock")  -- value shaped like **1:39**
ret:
**10:08**
